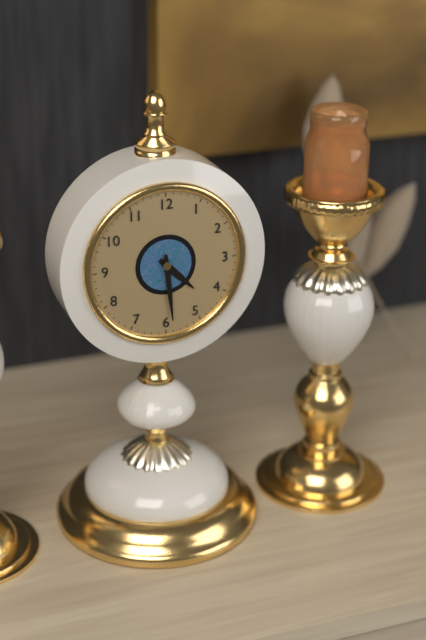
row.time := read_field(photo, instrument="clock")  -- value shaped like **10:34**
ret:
**4:29**
